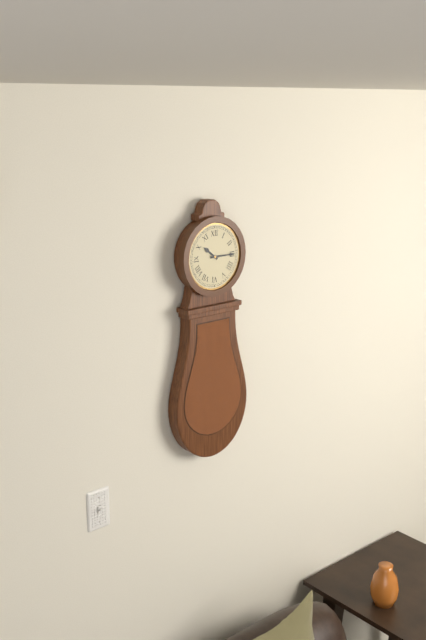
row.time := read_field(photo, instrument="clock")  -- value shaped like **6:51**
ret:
**10:15**
